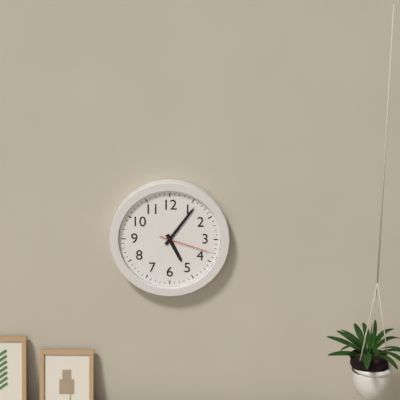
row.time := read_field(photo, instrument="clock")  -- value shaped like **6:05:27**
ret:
**5:06:18**
